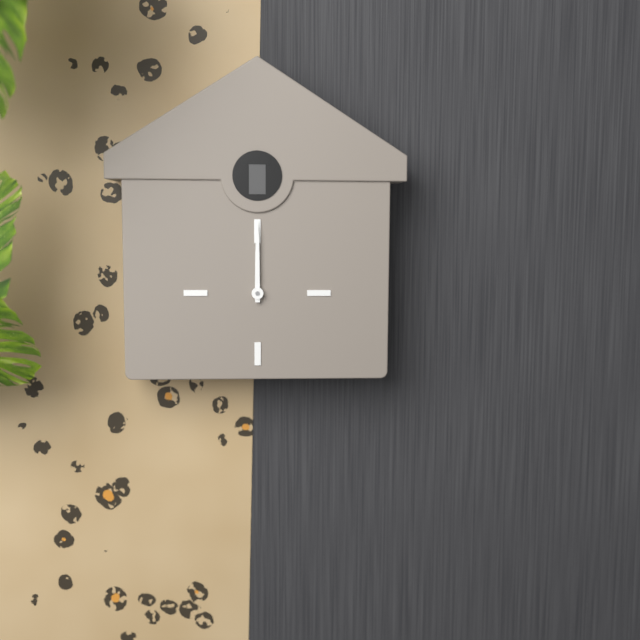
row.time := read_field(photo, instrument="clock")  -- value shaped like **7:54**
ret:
**12:00**
